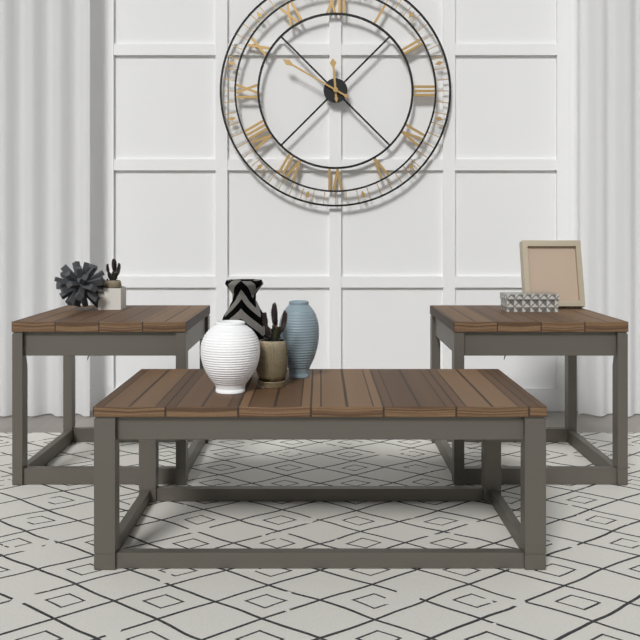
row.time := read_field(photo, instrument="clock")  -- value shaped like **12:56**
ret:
**11:50**
